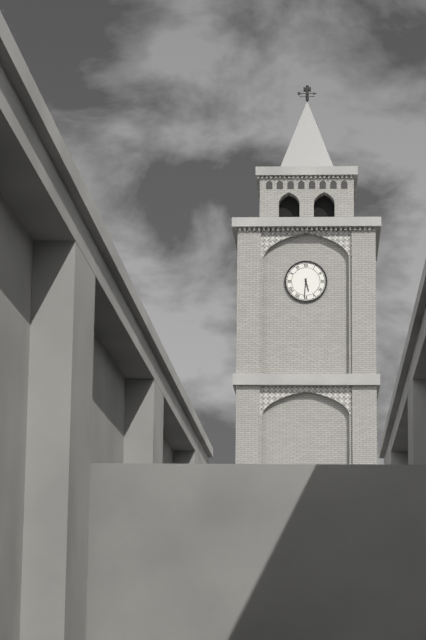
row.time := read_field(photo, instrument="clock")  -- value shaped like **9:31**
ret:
**5:31**
